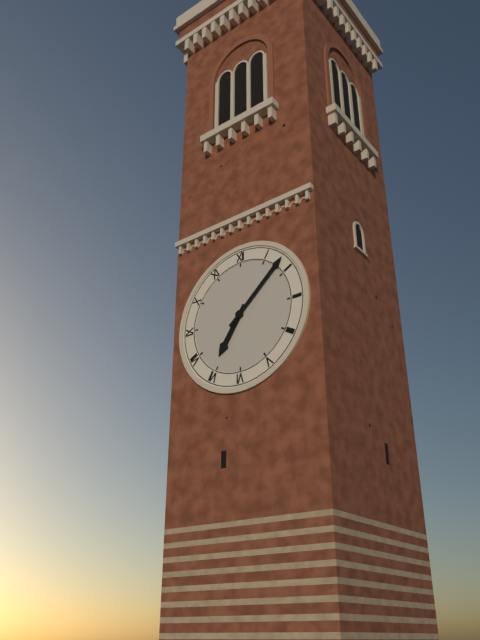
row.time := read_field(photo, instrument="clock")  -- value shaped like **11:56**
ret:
**7:08**
